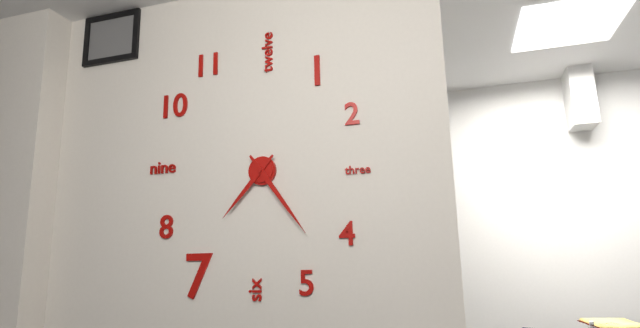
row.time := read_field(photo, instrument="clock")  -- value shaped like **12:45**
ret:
**7:24**
